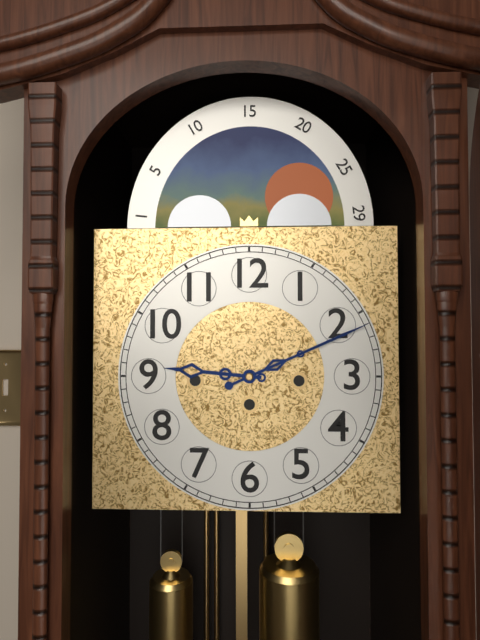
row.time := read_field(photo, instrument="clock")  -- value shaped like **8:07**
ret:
**9:11**
